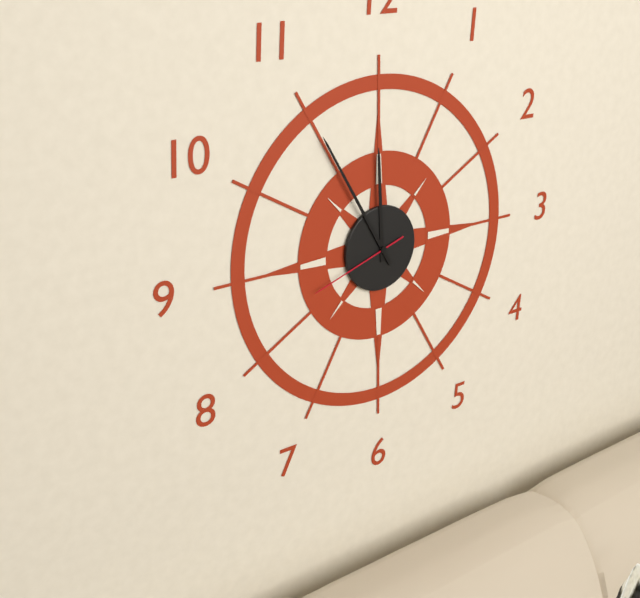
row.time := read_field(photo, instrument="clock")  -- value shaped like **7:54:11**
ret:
**11:55:42**
